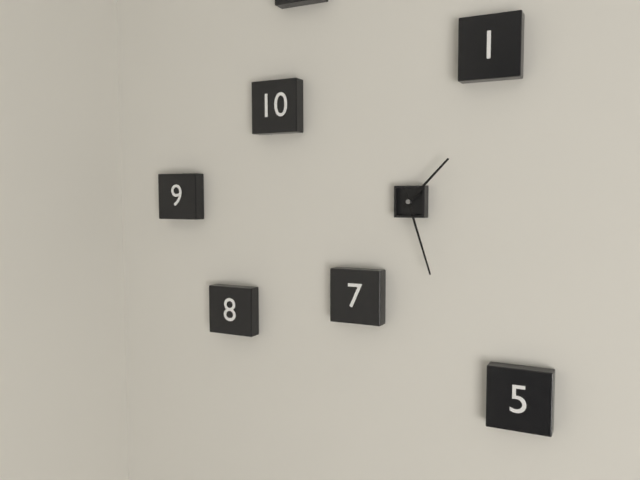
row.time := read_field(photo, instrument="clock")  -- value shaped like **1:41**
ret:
**1:27**
